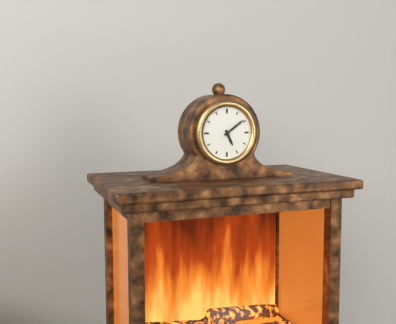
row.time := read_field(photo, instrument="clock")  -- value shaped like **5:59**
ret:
**5:09**
